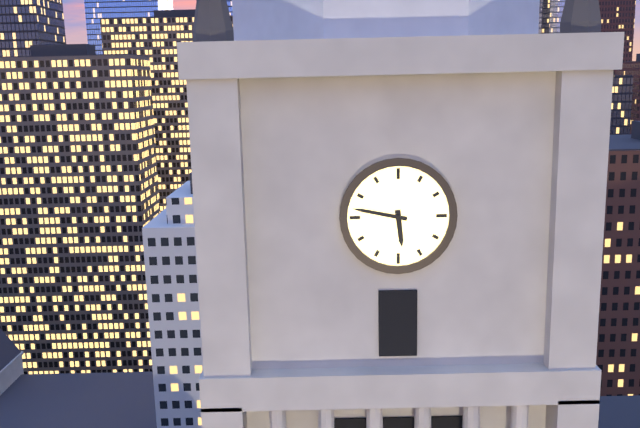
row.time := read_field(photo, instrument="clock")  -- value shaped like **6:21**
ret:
**5:47**
